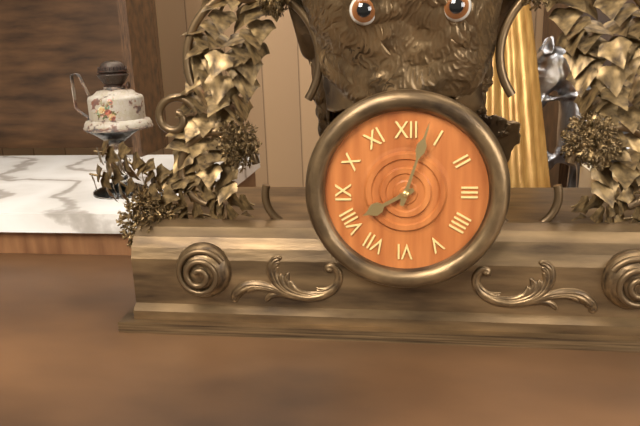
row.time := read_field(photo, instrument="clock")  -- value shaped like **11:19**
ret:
**8:03**
